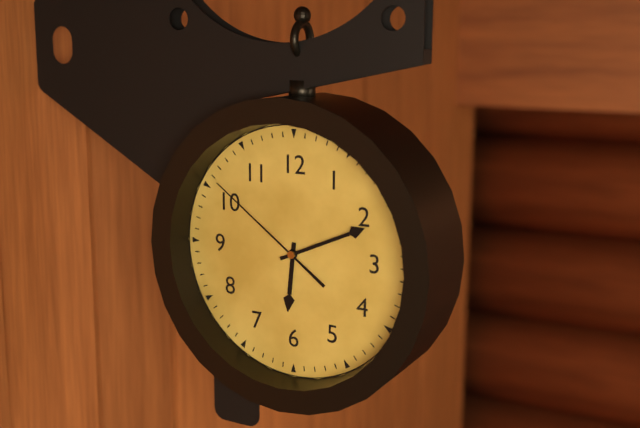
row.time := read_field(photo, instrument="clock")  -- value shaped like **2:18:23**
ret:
**6:11:51**
